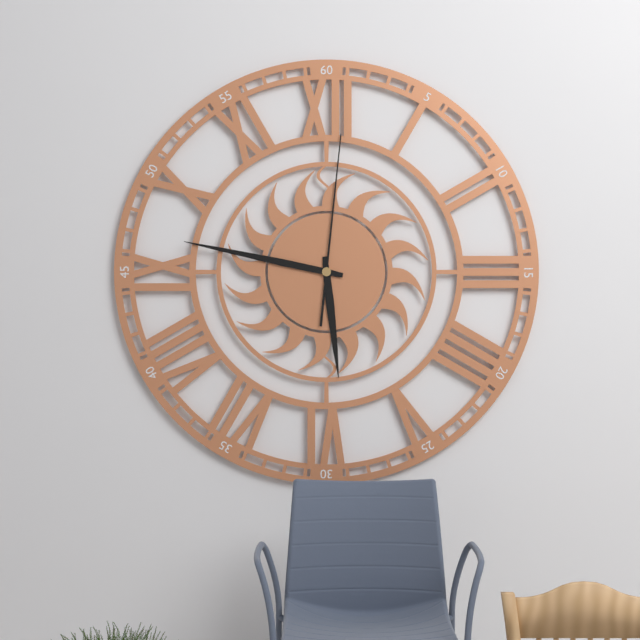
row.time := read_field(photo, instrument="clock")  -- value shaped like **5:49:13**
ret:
**5:47:01**
